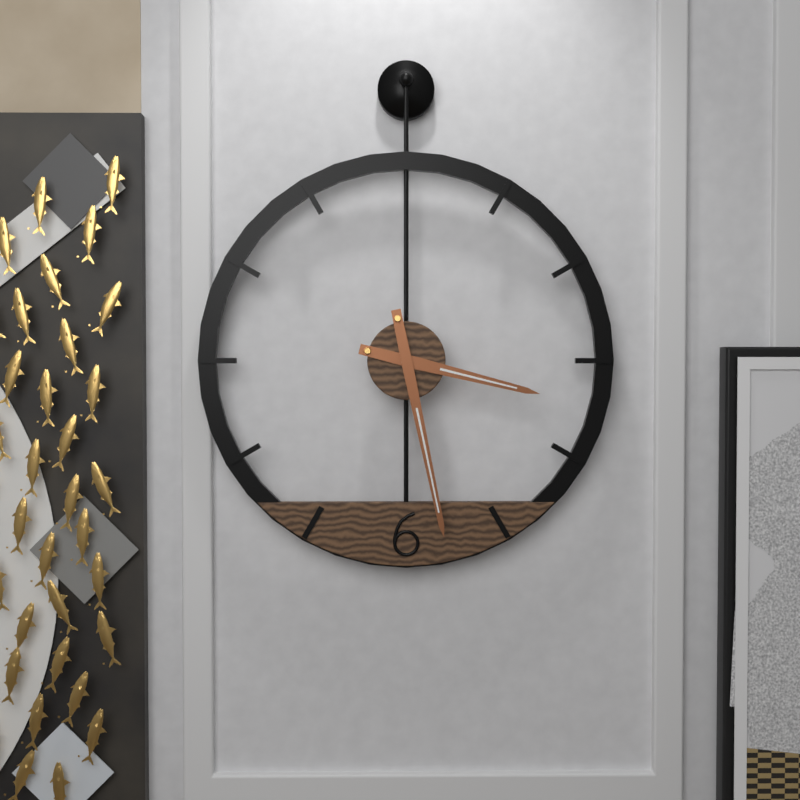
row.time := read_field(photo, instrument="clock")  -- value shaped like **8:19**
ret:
**3:28**
